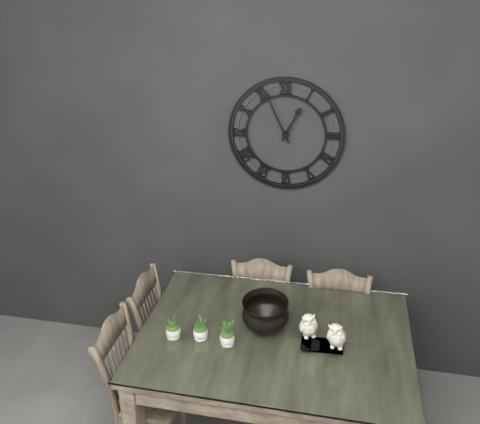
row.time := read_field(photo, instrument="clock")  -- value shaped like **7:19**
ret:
**12:56**
